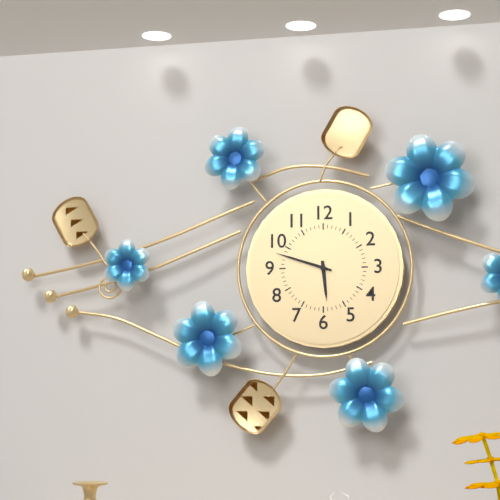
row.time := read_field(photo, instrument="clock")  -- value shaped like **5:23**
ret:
**5:48**
